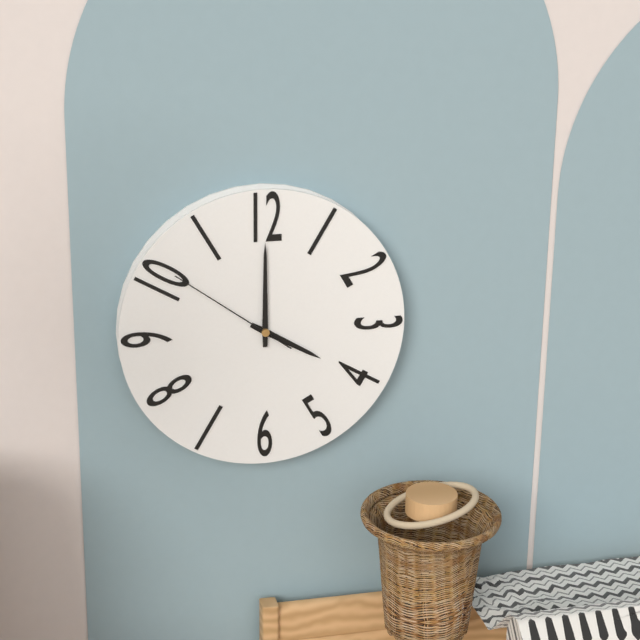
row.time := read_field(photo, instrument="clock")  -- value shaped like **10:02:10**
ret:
**4:00:51**
